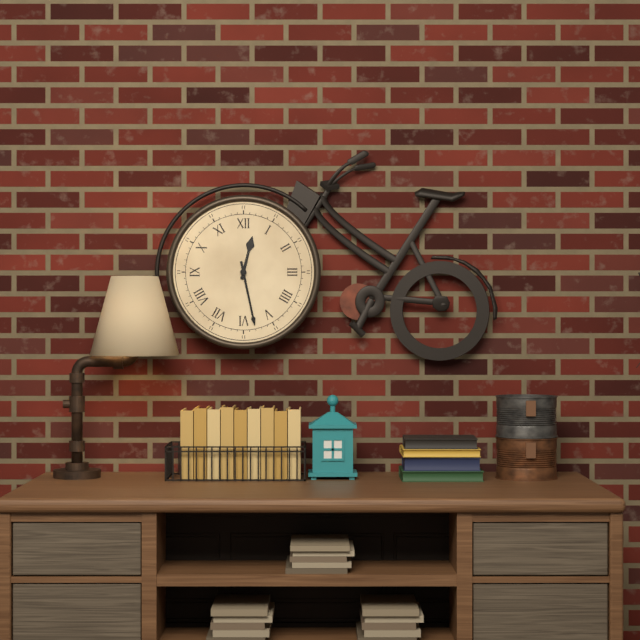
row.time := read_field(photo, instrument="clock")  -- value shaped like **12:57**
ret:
**12:28**
